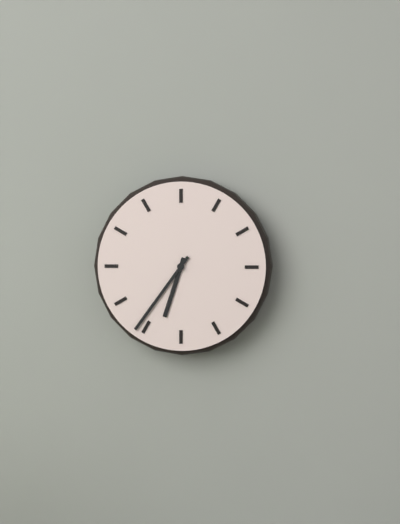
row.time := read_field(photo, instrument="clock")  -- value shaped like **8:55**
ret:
**6:36**
